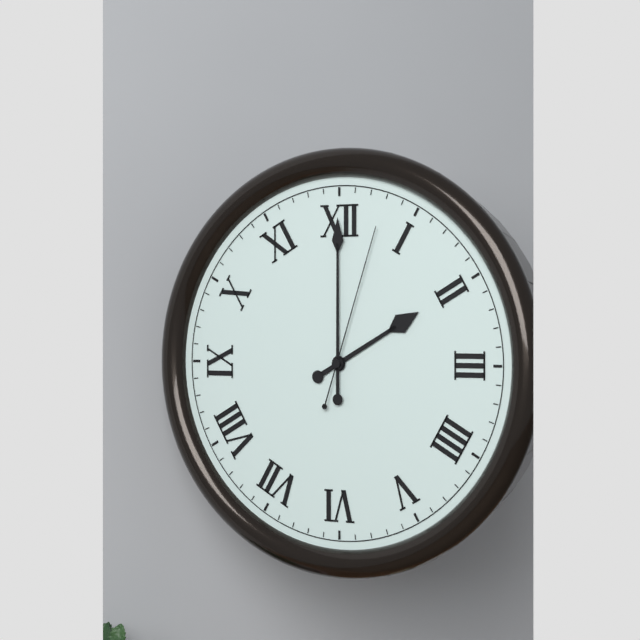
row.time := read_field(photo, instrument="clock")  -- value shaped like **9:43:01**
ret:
**2:00:03**
